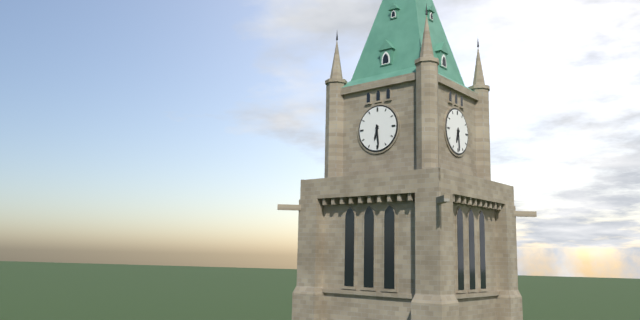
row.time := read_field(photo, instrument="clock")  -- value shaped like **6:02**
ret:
**6:29**
